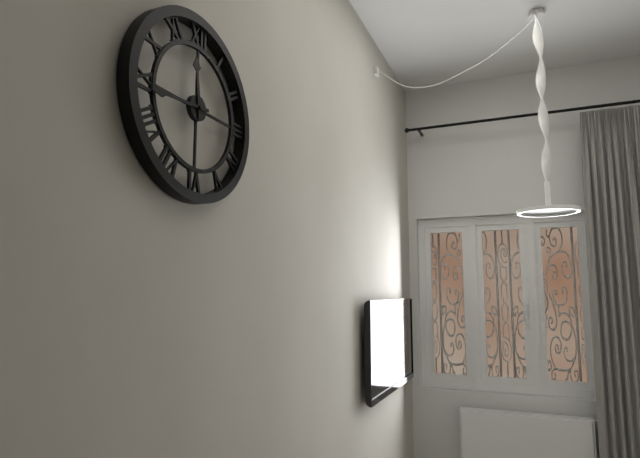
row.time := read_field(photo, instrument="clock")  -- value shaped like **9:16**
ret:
**11:44**
